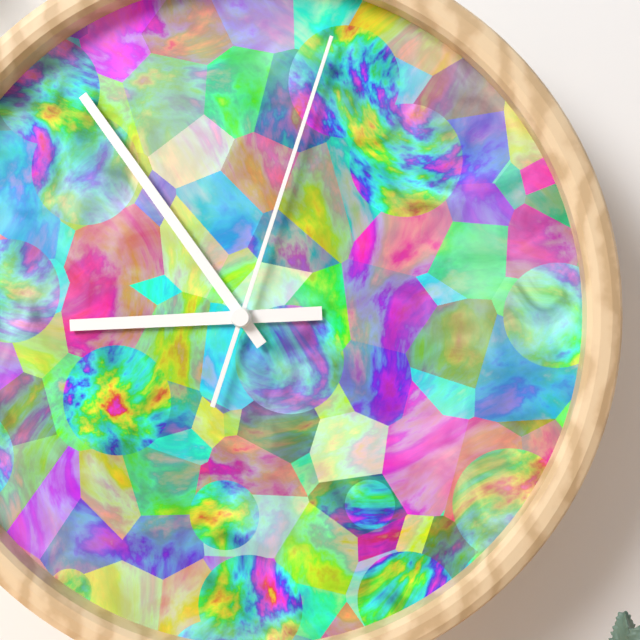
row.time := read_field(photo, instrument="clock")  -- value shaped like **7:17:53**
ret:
**8:54:03**
